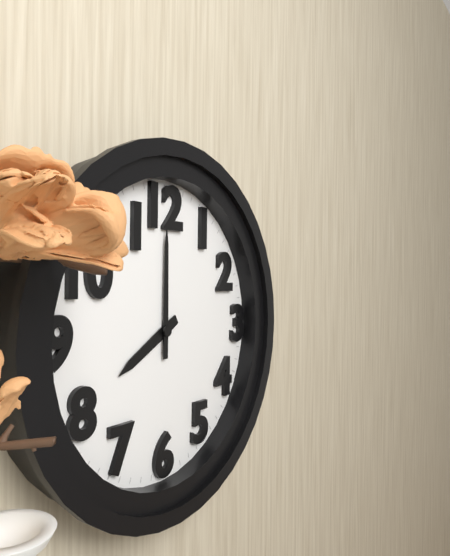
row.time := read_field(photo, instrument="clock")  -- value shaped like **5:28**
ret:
**8:00**
